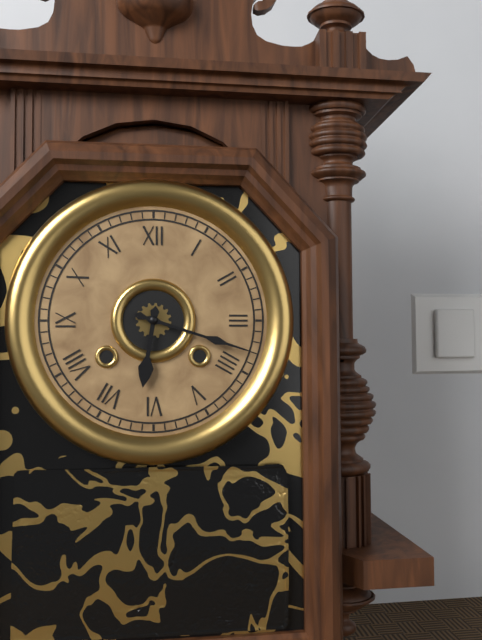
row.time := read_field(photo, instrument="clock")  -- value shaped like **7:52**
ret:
**6:18**
